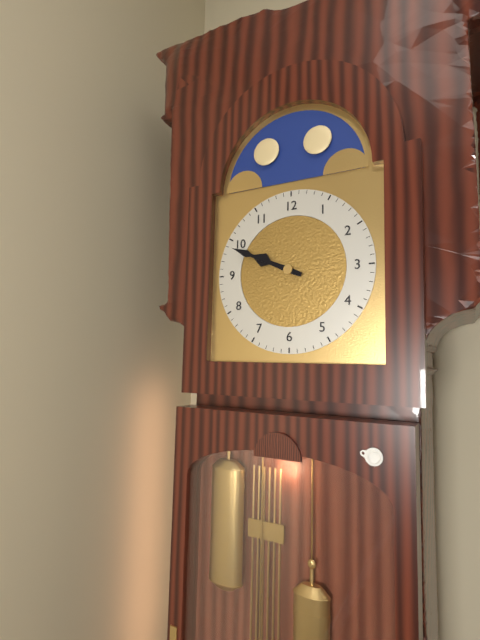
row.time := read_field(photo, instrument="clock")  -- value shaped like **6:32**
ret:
**9:49**
